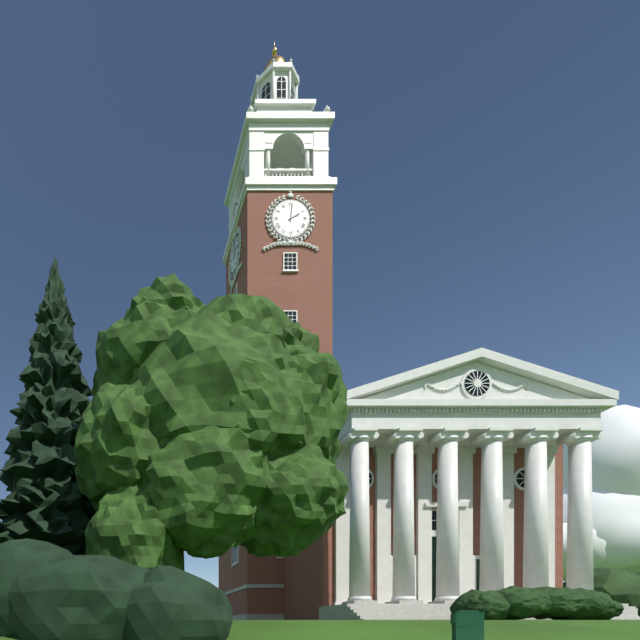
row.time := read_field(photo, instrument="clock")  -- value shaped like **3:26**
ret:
**2:01**
